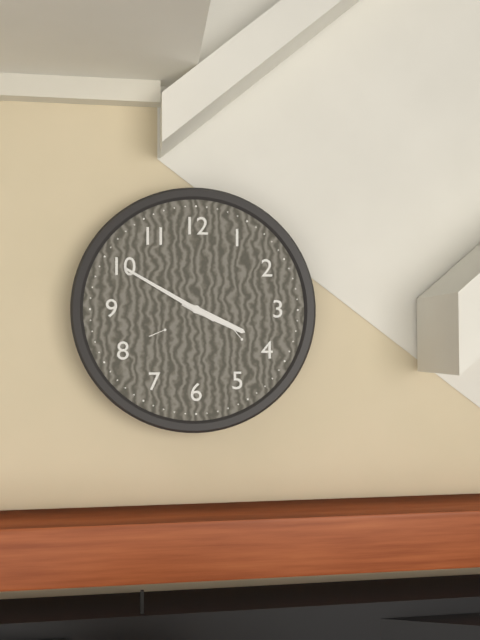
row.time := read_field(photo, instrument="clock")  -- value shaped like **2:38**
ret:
**3:50**
